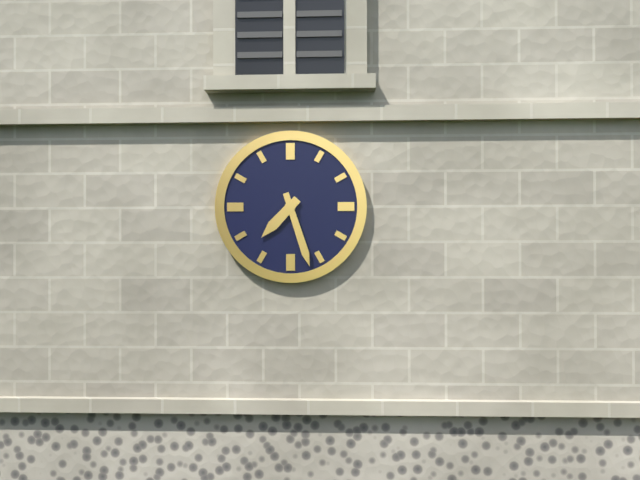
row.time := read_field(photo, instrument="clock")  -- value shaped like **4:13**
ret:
**7:27**
